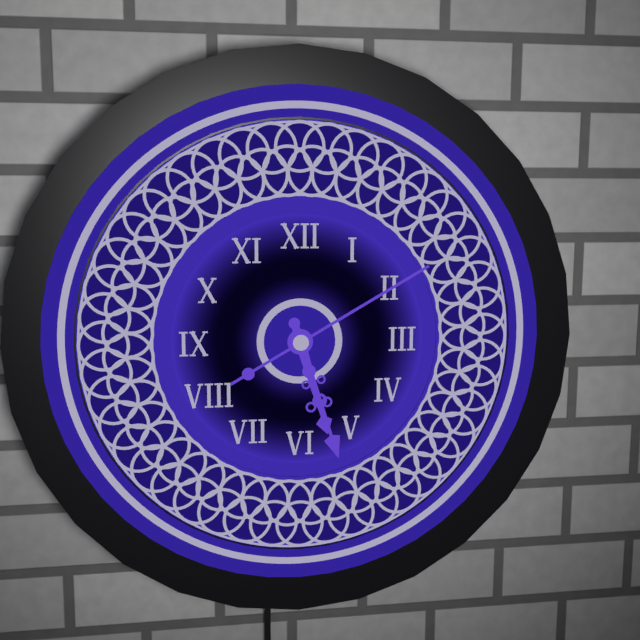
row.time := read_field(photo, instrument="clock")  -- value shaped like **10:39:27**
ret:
**5:27:10**
